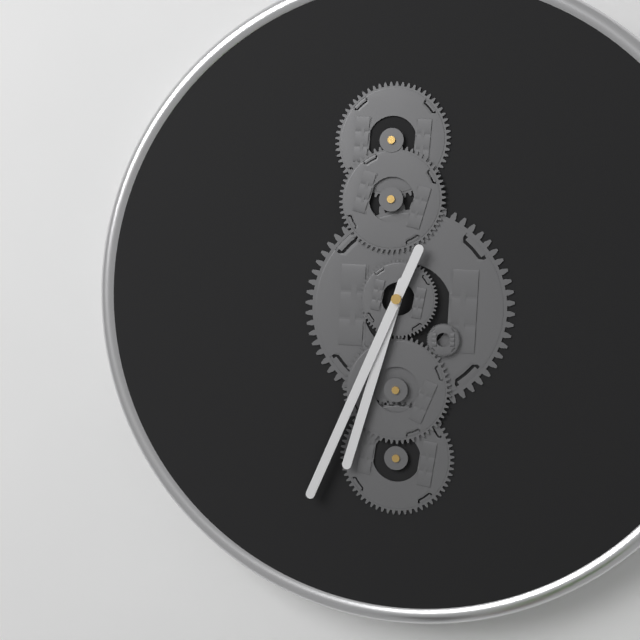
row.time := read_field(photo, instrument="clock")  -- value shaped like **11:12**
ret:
**6:34**
